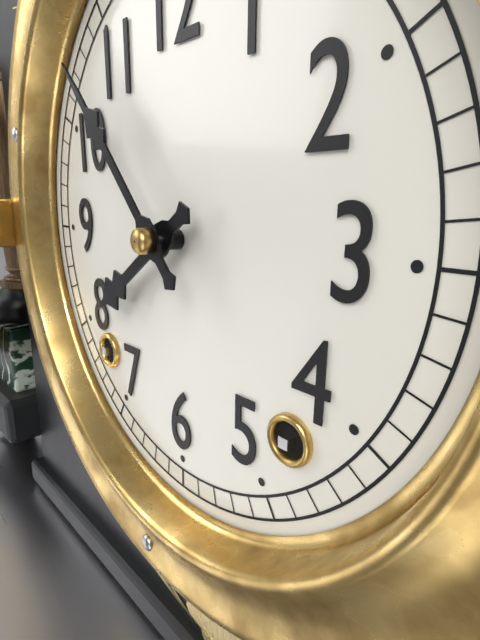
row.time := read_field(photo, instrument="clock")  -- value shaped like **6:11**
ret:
**7:53**
